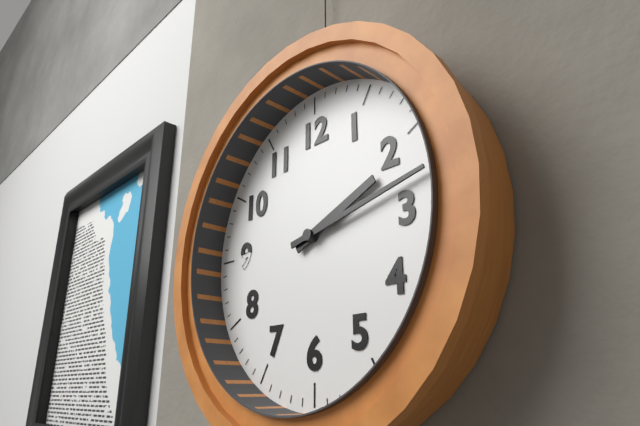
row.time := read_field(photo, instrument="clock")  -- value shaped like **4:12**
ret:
**2:13**
